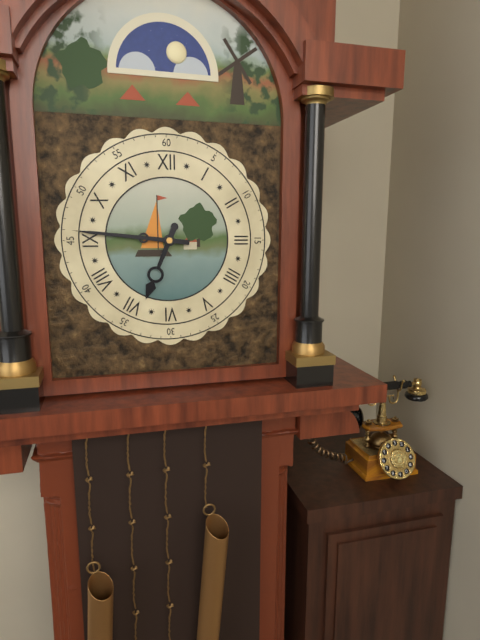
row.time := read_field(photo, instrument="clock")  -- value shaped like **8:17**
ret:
**6:46**
